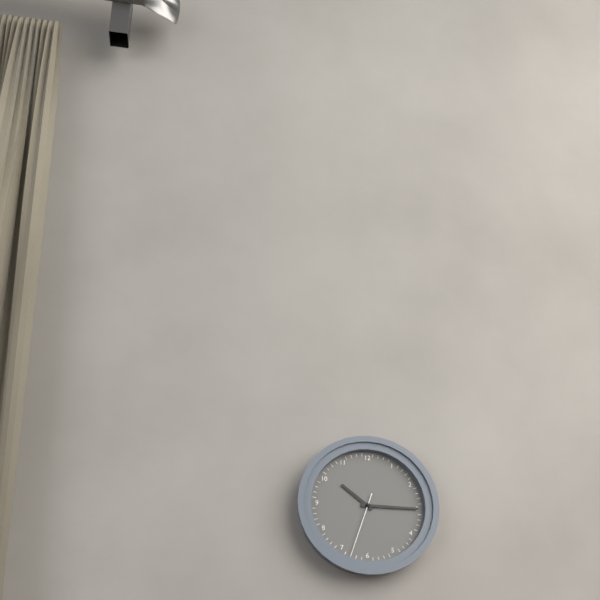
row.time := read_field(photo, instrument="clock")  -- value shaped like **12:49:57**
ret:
**10:15:33**
